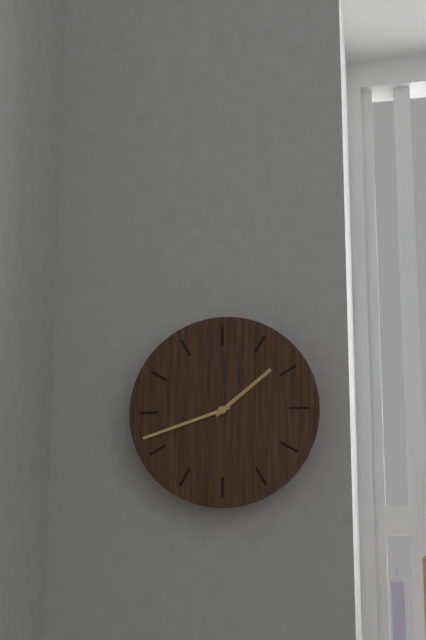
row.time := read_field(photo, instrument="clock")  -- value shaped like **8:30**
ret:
**1:42**
